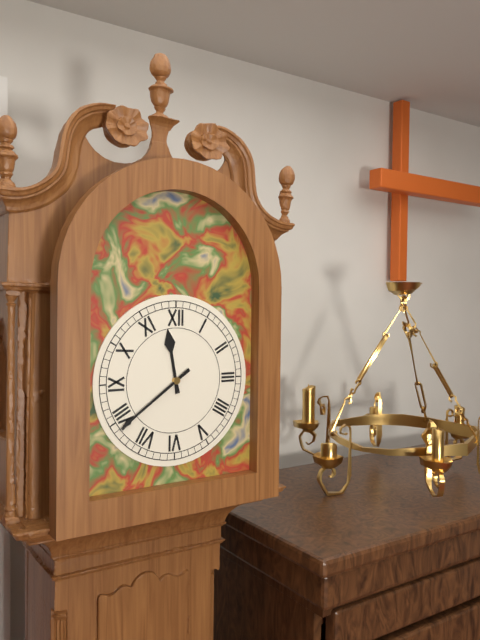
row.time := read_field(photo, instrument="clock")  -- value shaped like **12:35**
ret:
**11:39**
